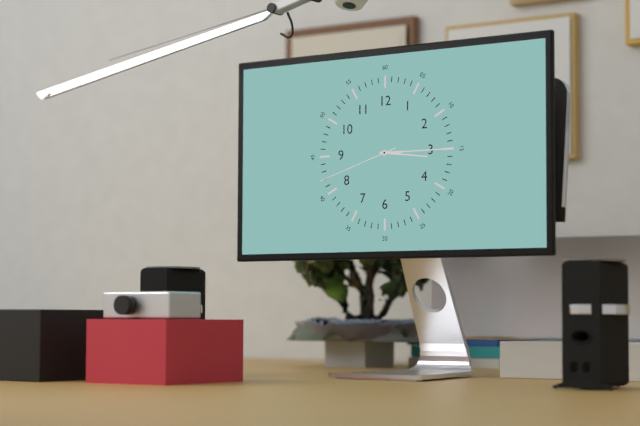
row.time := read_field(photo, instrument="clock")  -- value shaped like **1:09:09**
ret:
**3:15:42**
